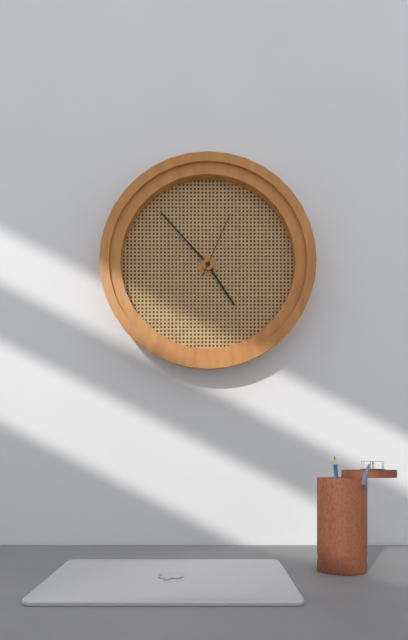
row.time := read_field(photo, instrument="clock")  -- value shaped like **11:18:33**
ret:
**4:53:04**
